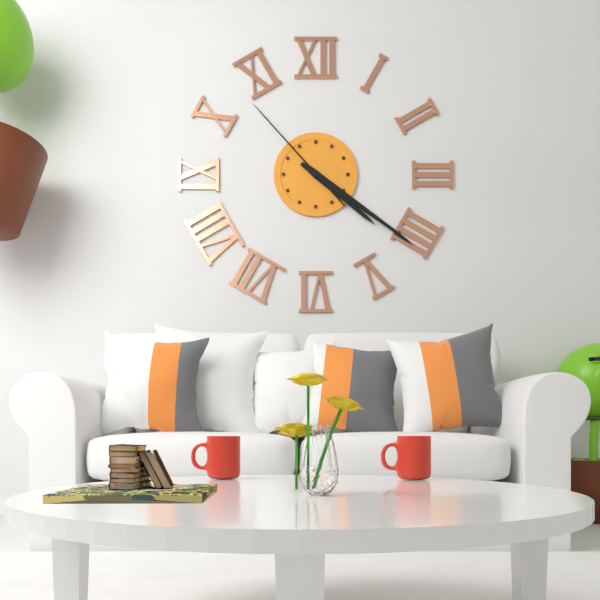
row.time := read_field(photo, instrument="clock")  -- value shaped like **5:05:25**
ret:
**4:21:53**
